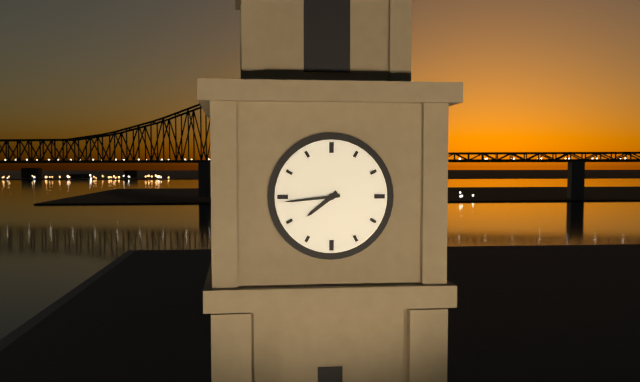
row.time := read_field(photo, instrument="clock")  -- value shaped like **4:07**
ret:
**7:44**
